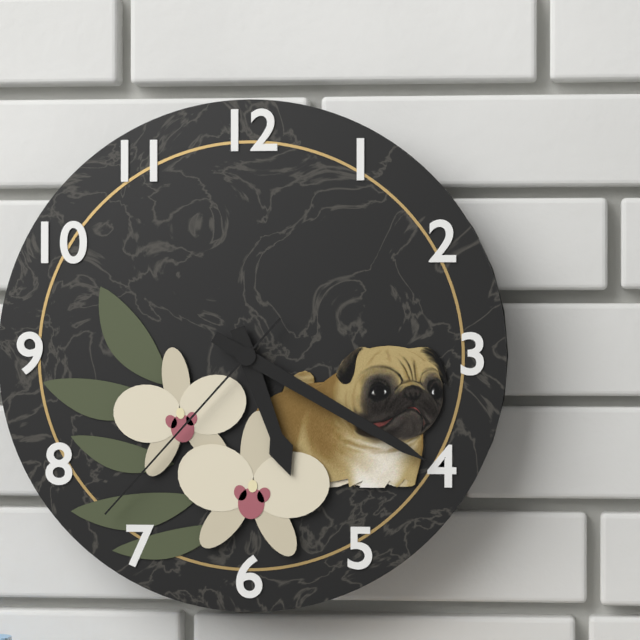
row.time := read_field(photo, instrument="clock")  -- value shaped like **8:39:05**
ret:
**5:20:37**
